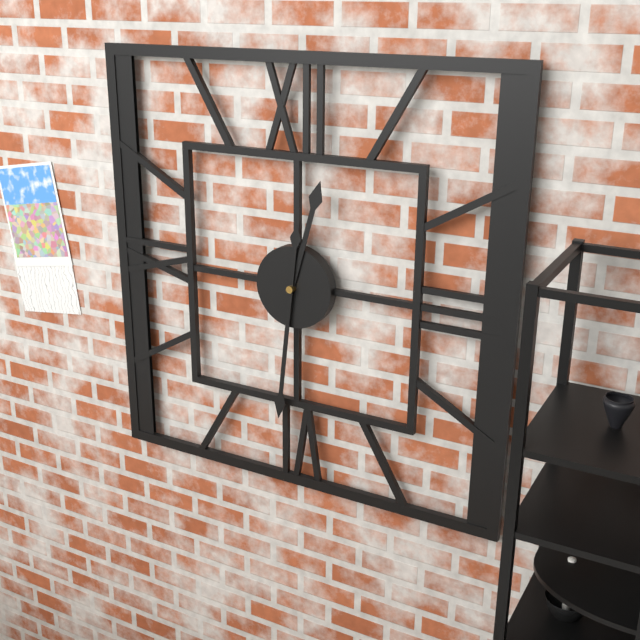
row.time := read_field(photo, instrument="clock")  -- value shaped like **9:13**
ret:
**12:31**
